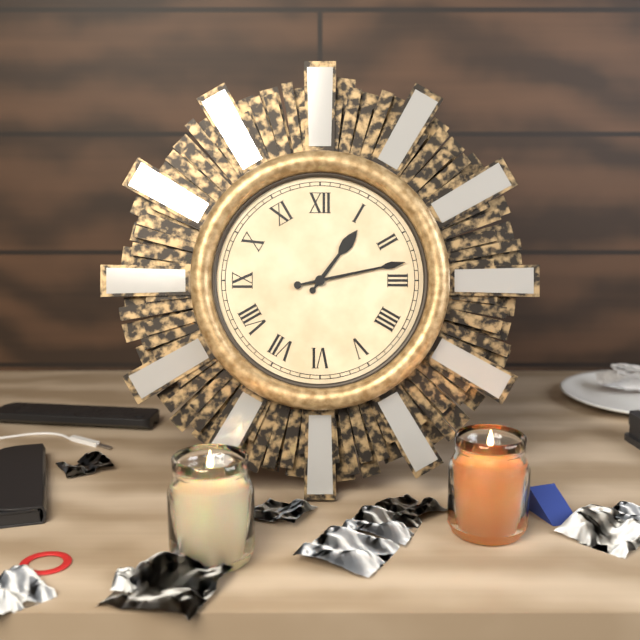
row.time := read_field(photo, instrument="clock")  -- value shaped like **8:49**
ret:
**1:13**
